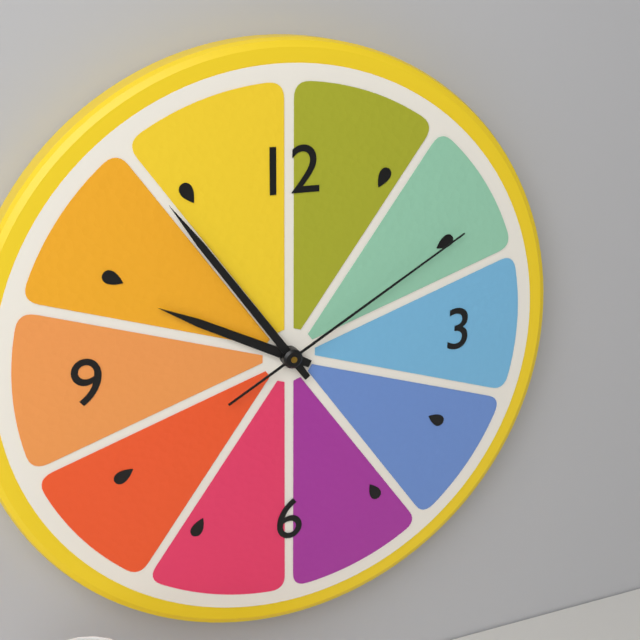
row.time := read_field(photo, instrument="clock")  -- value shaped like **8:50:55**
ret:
**9:54:10**
